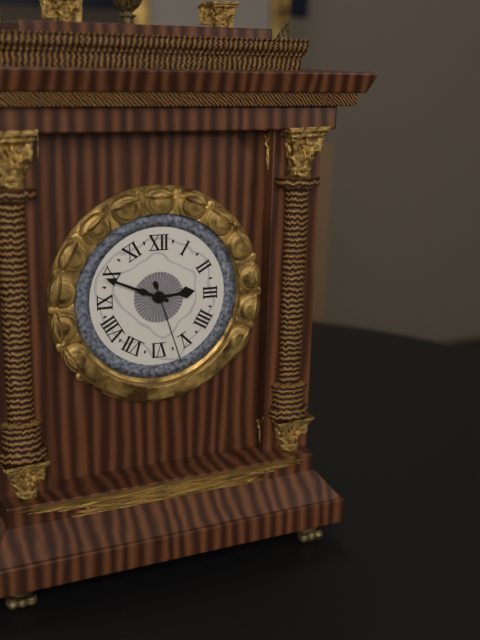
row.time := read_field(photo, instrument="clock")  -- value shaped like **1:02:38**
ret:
**2:49:27**
